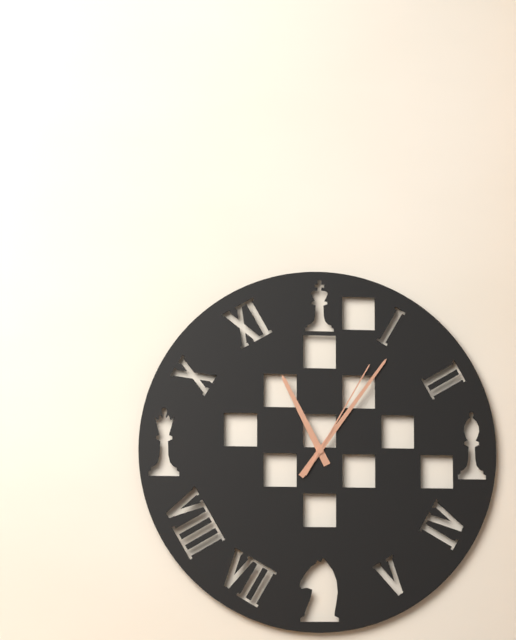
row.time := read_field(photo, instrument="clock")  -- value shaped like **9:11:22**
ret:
**11:06:05**
